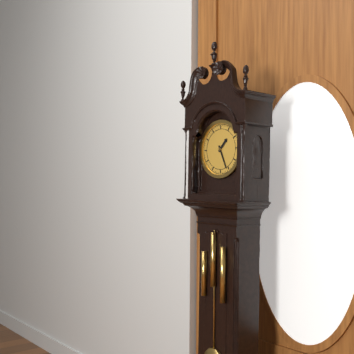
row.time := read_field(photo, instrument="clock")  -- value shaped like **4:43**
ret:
**1:26**
